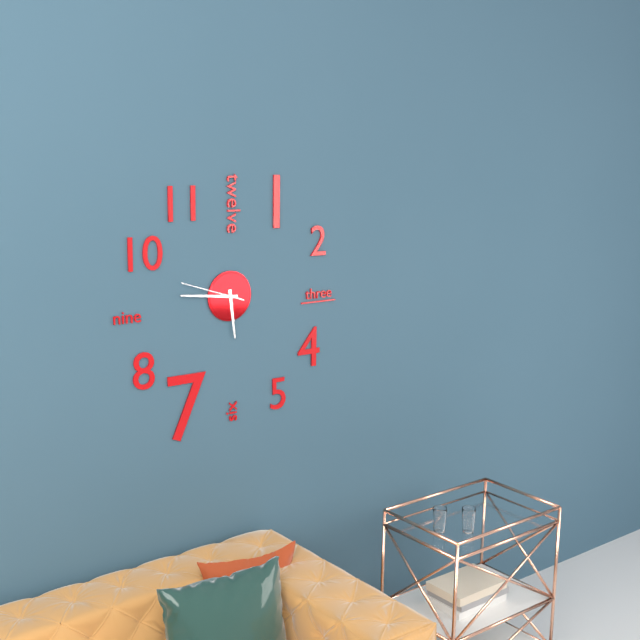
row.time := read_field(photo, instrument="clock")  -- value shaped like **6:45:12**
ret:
**5:46:48**
